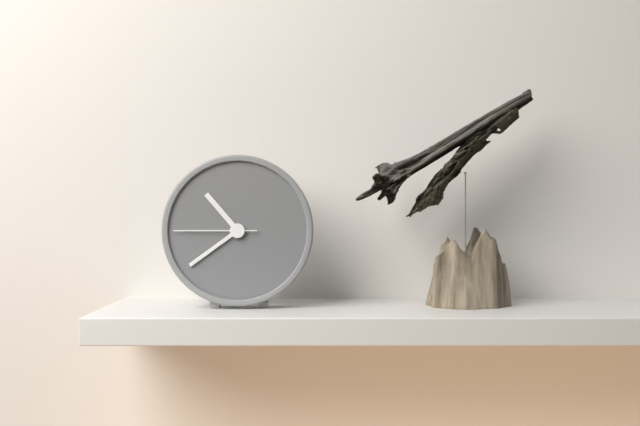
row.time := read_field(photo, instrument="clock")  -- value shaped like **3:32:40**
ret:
**10:39:45**
